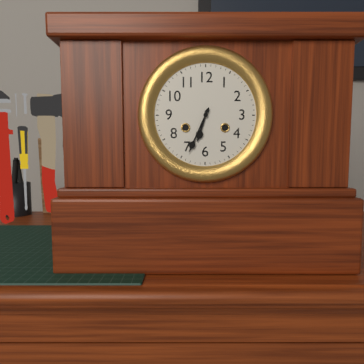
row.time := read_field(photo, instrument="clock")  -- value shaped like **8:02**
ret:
**6:34**
